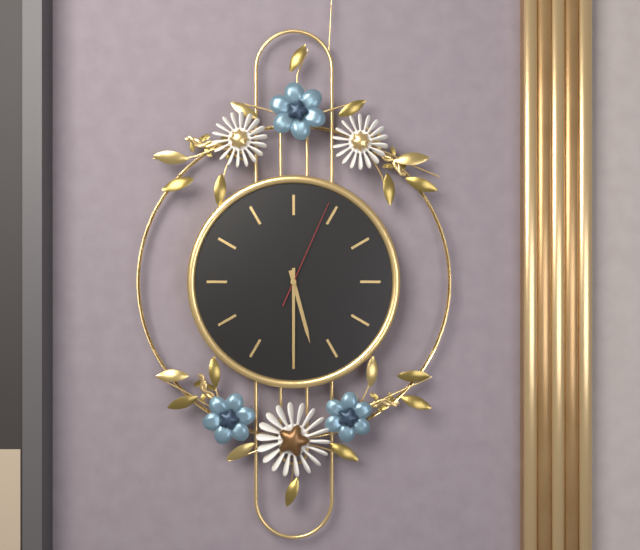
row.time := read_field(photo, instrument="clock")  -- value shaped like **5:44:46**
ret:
**5:30:04**
